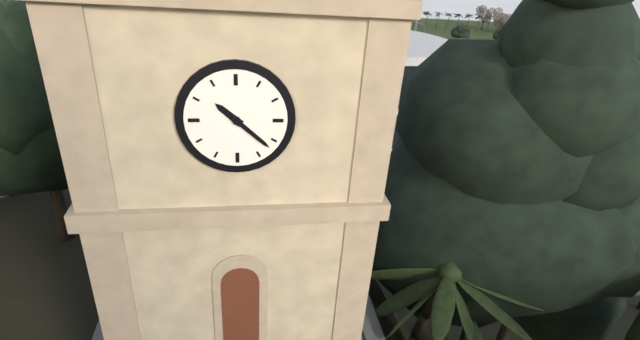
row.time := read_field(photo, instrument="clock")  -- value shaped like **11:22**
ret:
**10:22**
